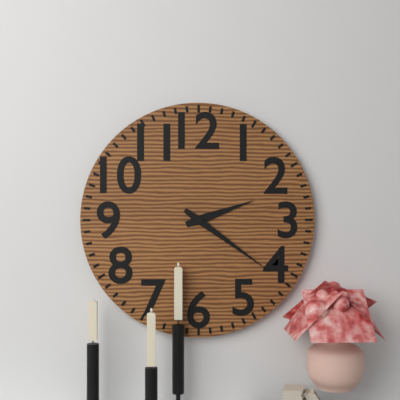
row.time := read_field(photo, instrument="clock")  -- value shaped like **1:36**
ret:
**2:21**
